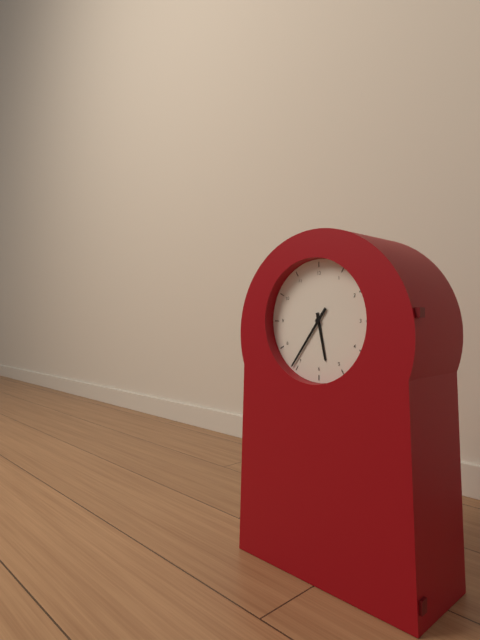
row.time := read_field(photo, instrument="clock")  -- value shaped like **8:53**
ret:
**5:36**
